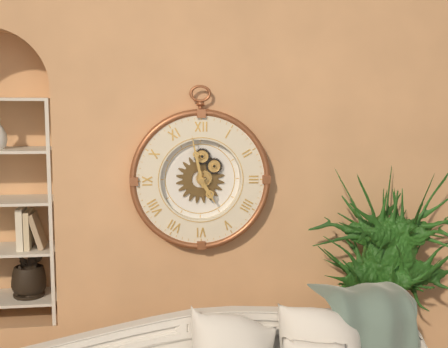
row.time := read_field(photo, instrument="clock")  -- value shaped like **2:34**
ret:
**4:58**
